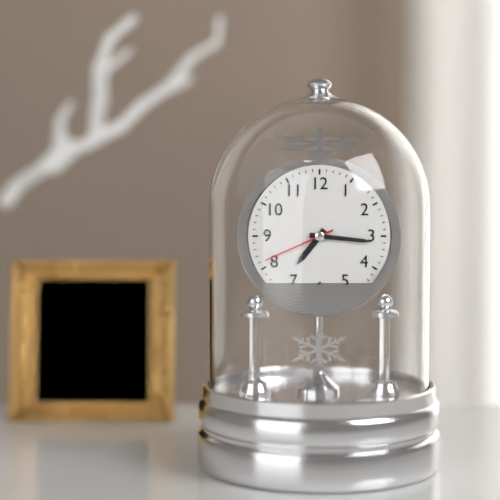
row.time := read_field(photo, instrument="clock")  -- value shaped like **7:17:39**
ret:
**7:16:41**
